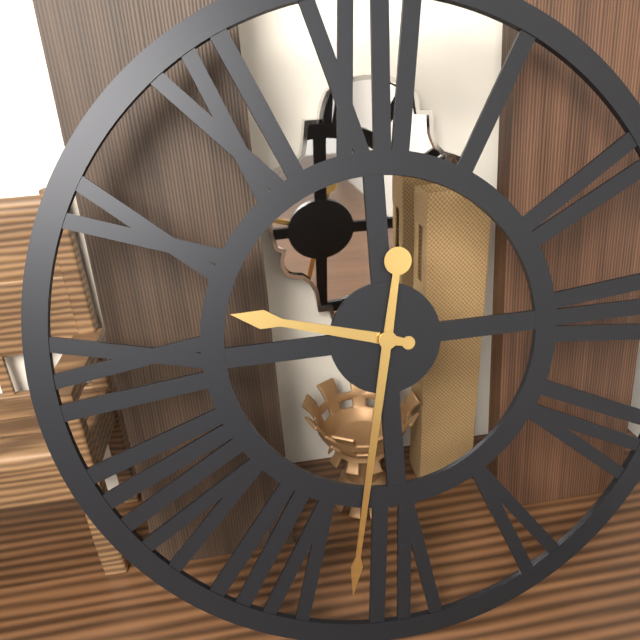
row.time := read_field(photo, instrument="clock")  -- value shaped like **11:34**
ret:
**9:32**
